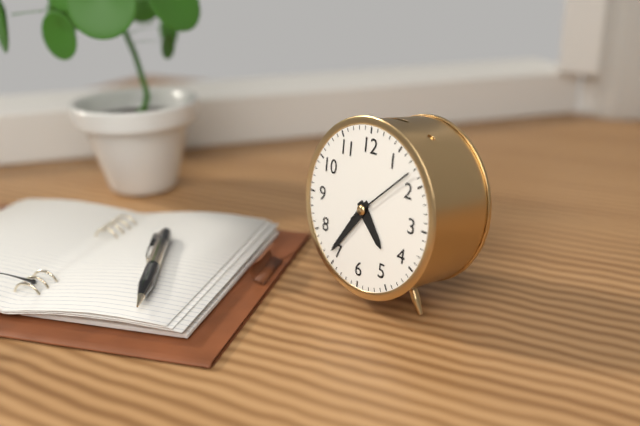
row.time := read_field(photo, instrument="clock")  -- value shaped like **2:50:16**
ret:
**4:36:08**
